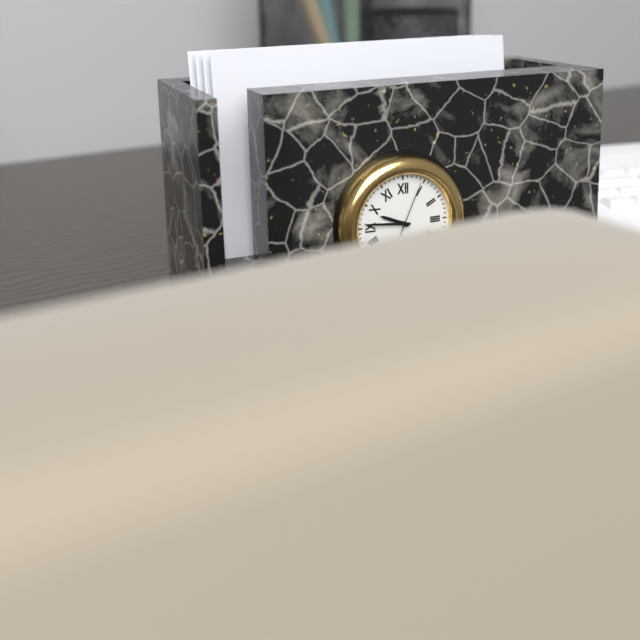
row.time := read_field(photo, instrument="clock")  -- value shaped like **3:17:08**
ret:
**9:46:04**
